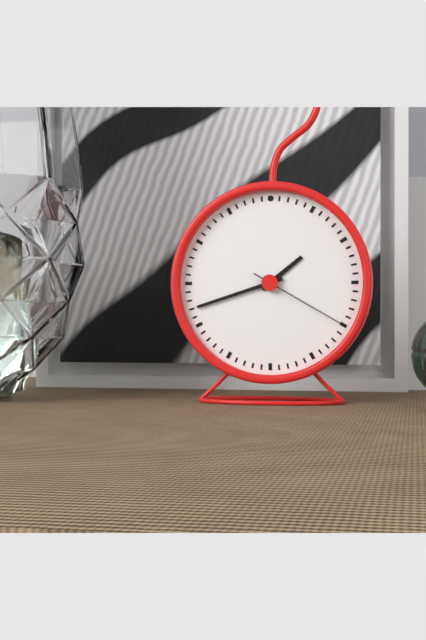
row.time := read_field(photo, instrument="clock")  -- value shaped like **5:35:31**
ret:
**1:42:20**
